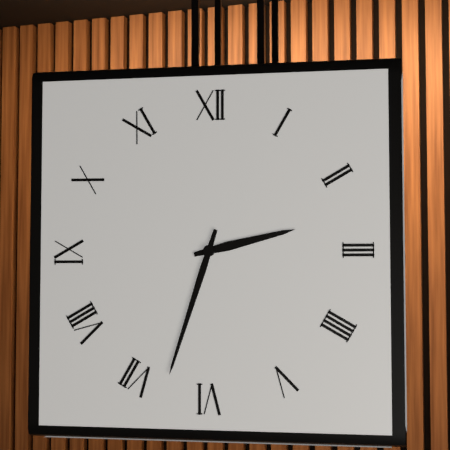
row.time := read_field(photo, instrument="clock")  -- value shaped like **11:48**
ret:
**2:33**
